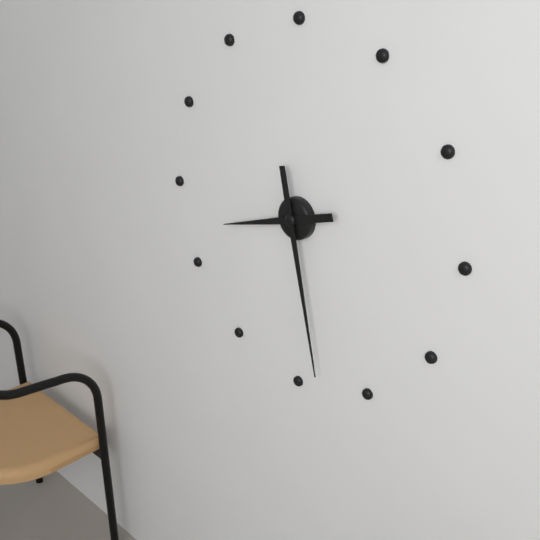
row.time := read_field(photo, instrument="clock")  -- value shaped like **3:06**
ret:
**8:28**
